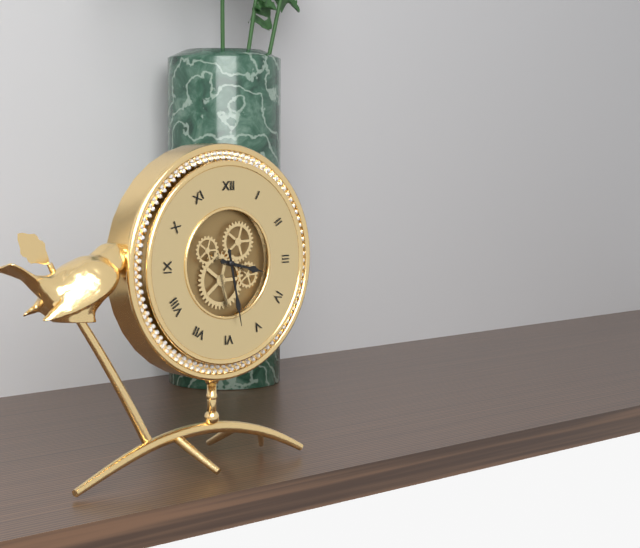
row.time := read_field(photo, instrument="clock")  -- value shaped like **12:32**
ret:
**3:28**
